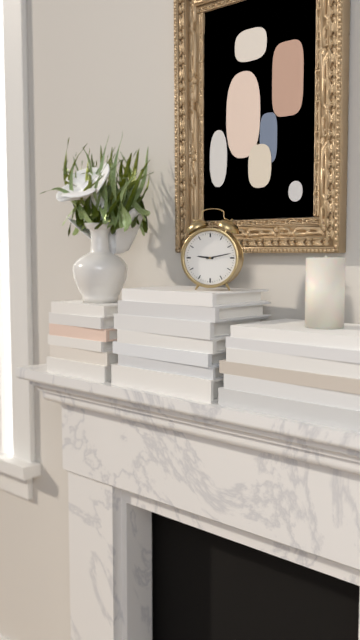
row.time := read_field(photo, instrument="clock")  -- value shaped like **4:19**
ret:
**9:13**
